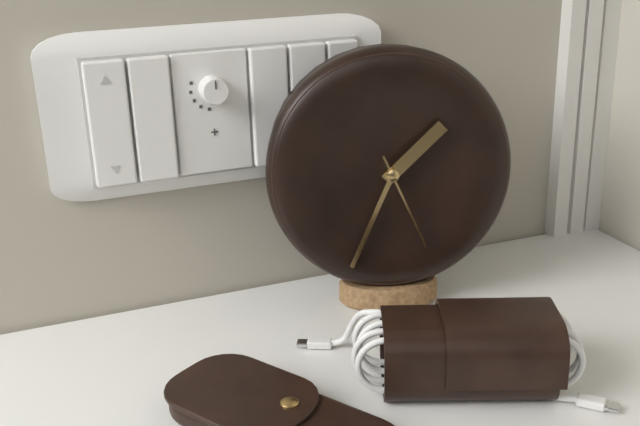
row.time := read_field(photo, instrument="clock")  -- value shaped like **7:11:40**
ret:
**1:34:26**
